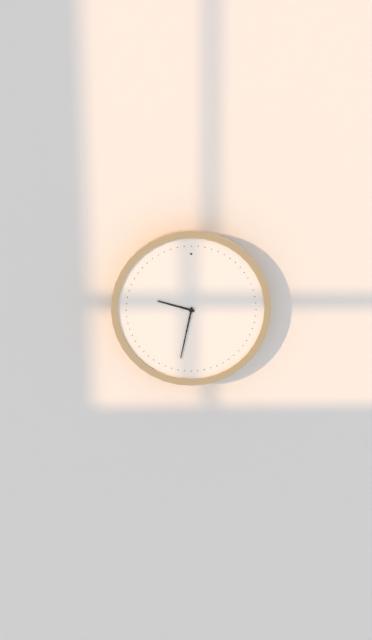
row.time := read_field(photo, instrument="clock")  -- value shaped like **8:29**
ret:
**9:32**
